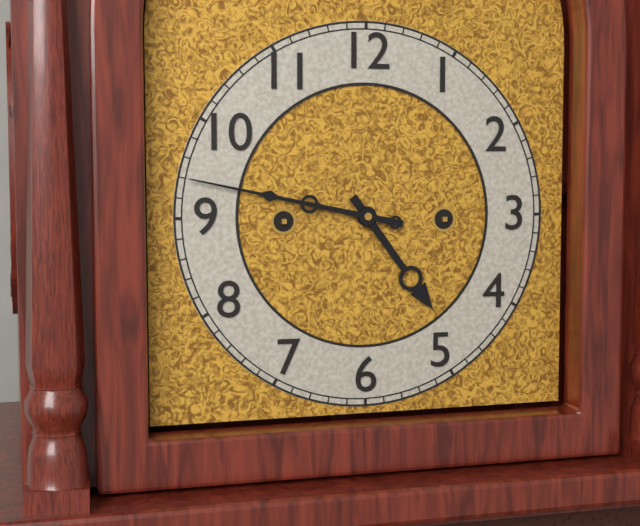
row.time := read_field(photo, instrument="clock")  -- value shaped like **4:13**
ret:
**4:47**
